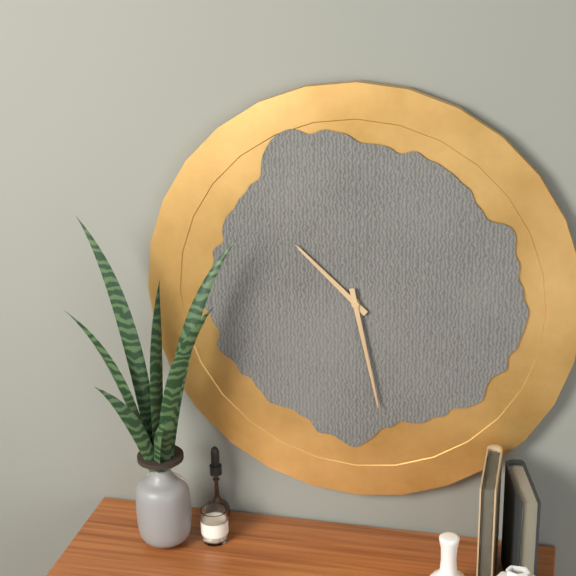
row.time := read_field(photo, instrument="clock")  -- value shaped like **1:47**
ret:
**10:28**
